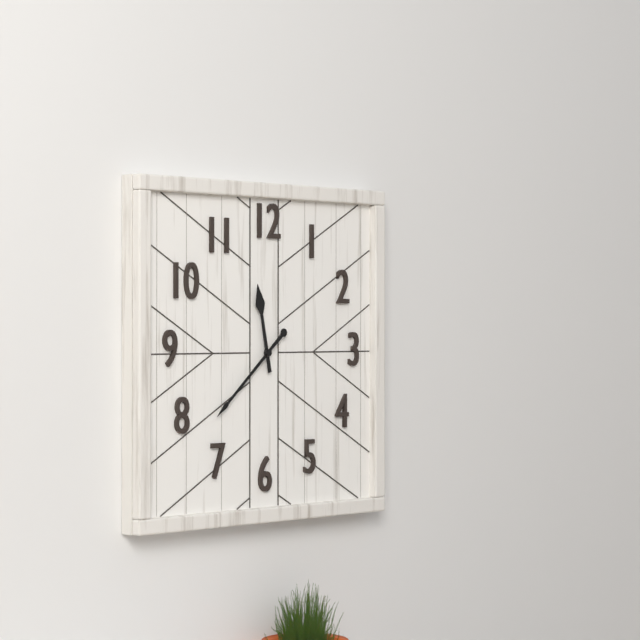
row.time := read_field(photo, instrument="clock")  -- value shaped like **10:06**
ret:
**11:38**
